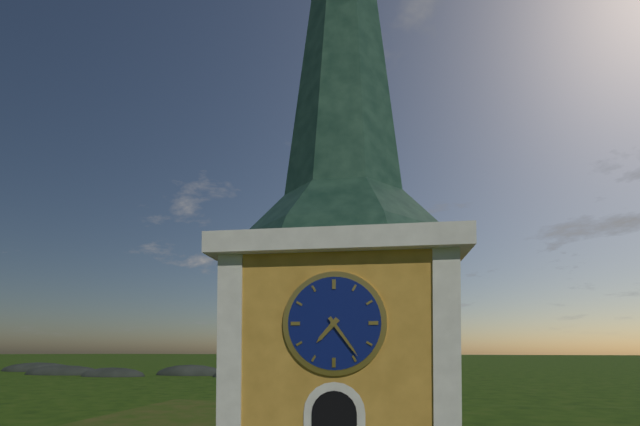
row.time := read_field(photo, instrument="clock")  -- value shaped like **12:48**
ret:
**7:24**
